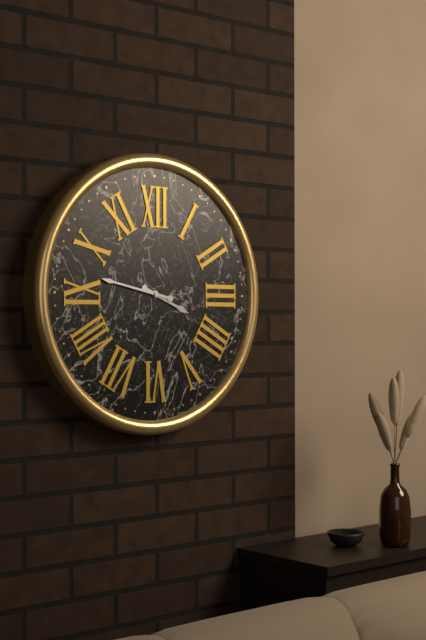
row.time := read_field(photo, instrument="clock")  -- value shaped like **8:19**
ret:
**3:47**
